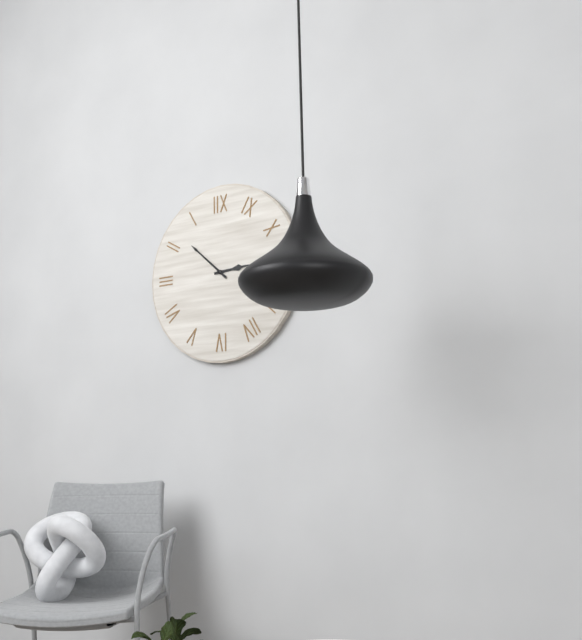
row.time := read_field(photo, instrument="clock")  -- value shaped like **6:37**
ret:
**2:52**
